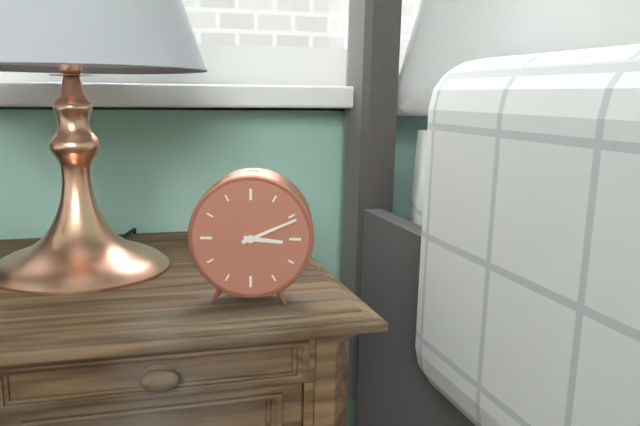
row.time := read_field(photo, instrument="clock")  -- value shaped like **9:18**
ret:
**3:11**
